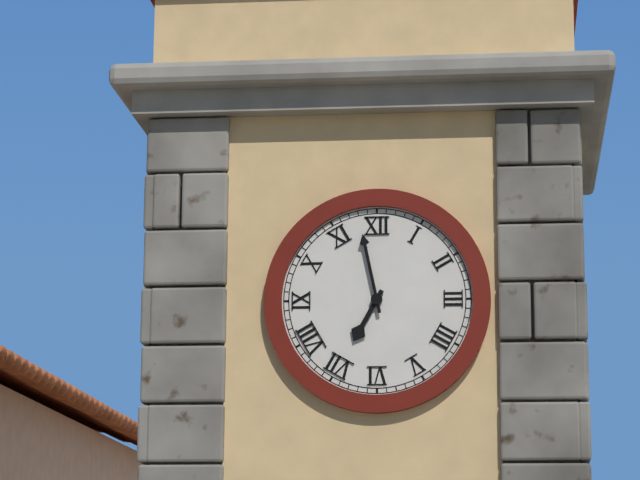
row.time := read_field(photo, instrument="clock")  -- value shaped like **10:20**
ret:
**6:58**
